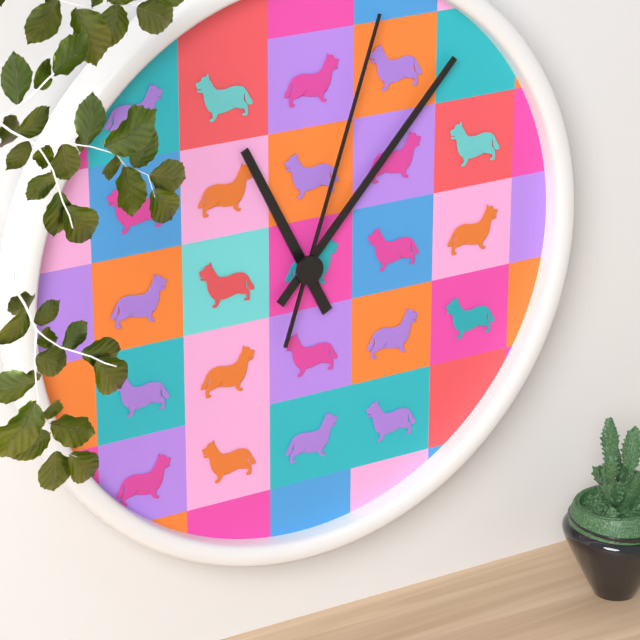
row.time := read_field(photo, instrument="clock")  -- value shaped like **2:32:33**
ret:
**11:07:03**
